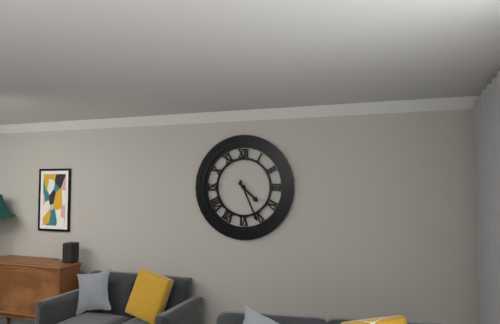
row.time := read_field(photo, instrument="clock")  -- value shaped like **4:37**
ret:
**4:26**
